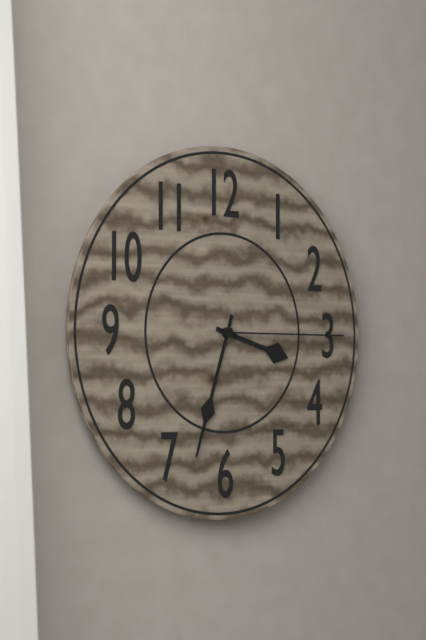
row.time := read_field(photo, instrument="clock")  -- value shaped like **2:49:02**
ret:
**3:33:15**
